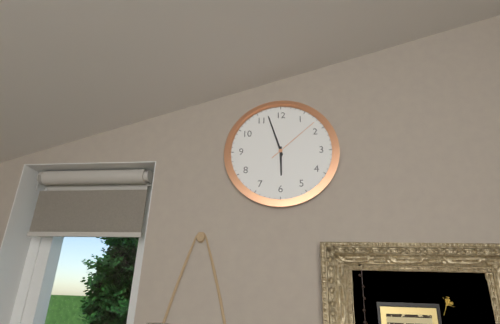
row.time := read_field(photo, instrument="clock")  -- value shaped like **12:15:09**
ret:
**5:57:08**
